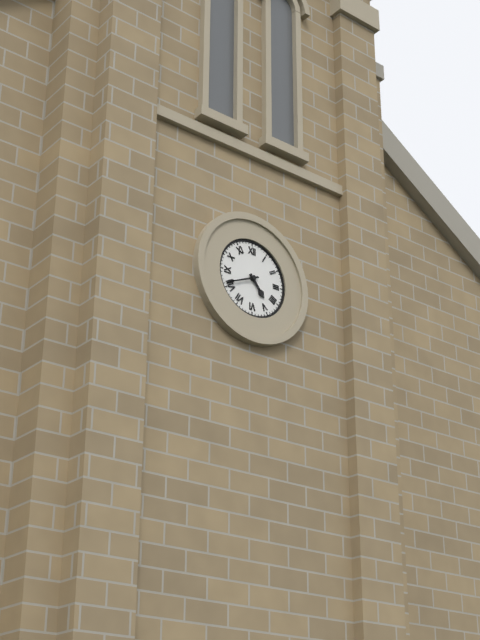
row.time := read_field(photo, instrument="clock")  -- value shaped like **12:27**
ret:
**4:41**
